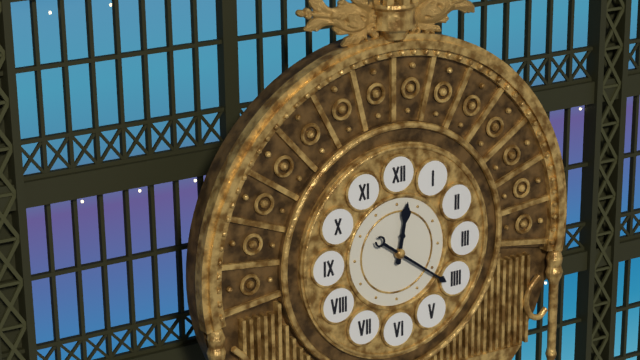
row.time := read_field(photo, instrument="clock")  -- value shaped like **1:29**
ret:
**12:21**
